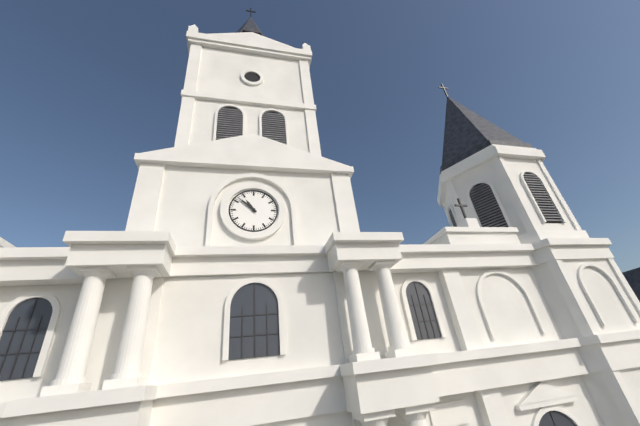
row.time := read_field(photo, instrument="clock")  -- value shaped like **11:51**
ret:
**10:52**
